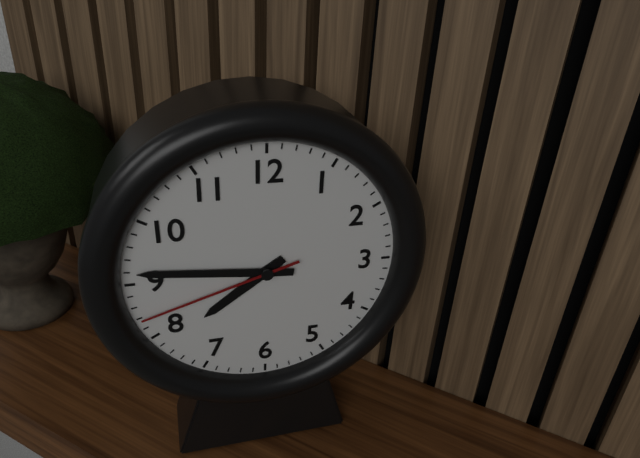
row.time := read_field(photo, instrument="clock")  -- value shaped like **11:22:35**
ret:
**7:46:42**
